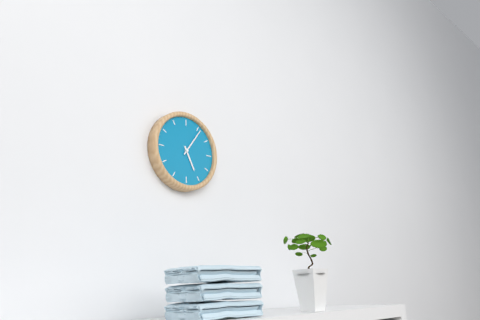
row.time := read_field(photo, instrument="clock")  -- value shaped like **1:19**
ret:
**5:06**
